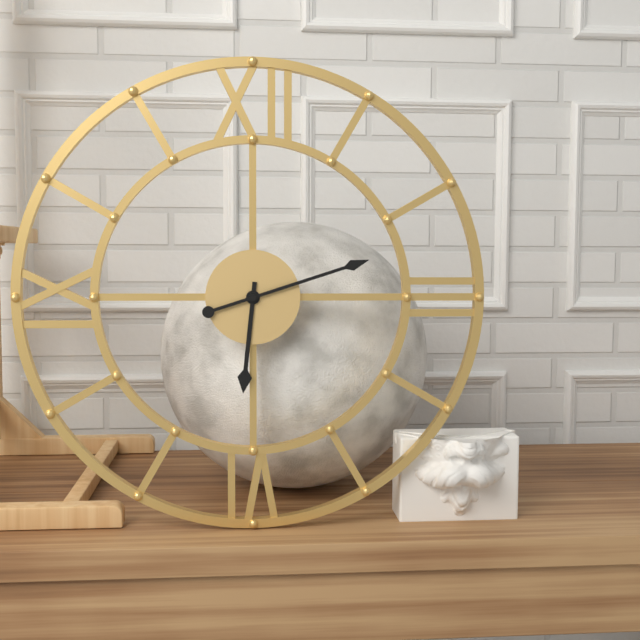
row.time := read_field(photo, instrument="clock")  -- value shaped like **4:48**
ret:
**6:12**
